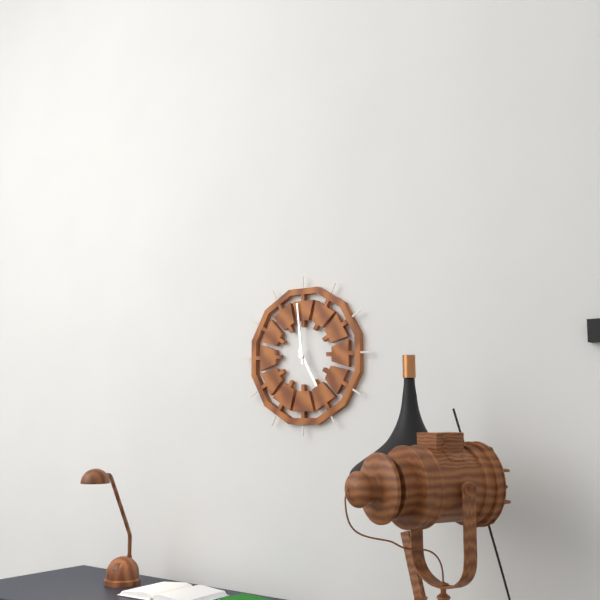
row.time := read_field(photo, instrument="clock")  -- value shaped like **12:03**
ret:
**4:59**
